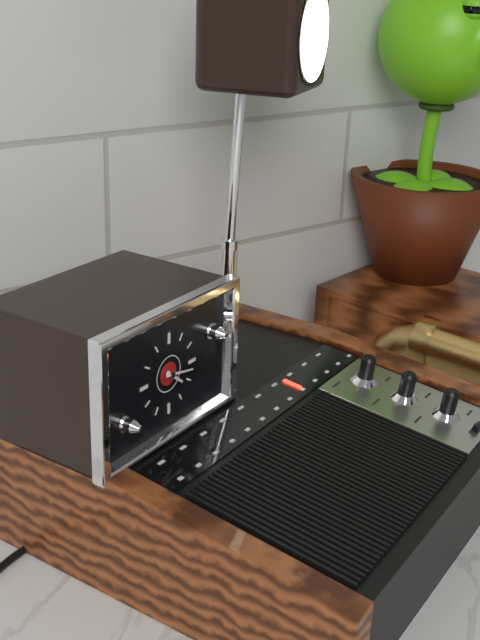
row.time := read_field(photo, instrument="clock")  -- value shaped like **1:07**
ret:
**4:17**
